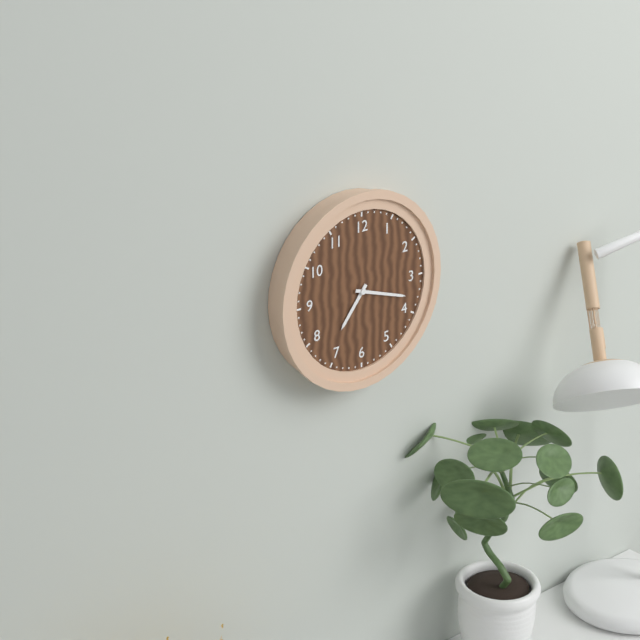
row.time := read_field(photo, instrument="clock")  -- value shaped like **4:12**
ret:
**7:18**
